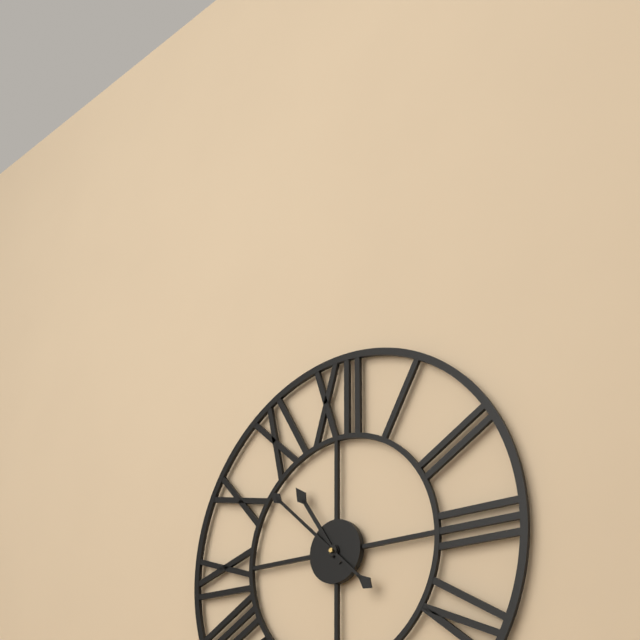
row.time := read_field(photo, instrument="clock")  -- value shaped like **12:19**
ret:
**10:52**
